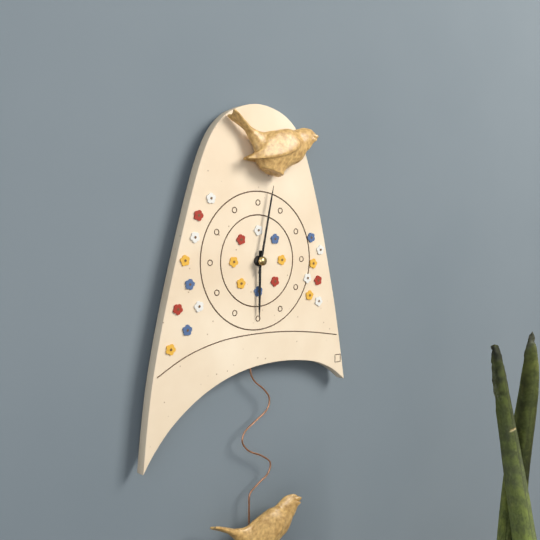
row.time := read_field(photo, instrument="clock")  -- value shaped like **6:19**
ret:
**6:02**
